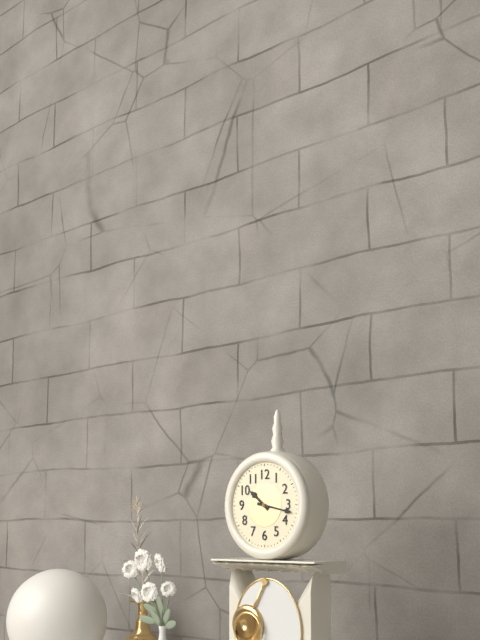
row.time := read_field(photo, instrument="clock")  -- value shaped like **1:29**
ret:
**10:17**
